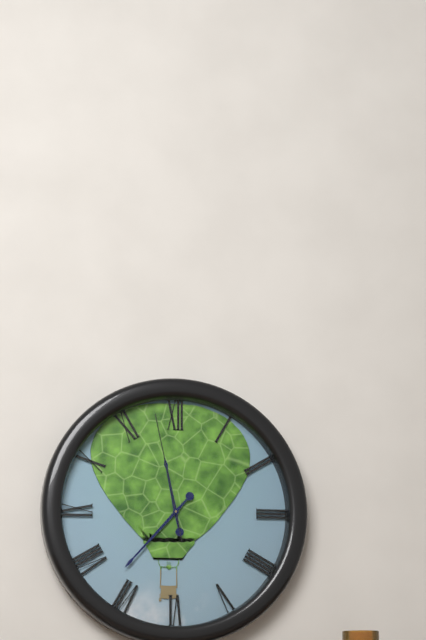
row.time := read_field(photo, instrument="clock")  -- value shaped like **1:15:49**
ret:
**11:37:58**
